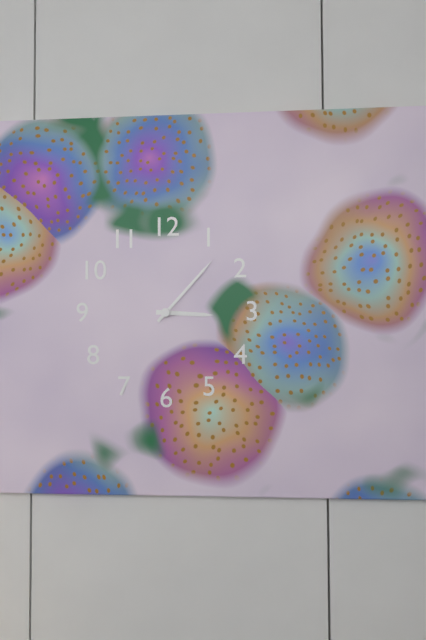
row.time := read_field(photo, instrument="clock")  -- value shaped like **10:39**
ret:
**3:07**
